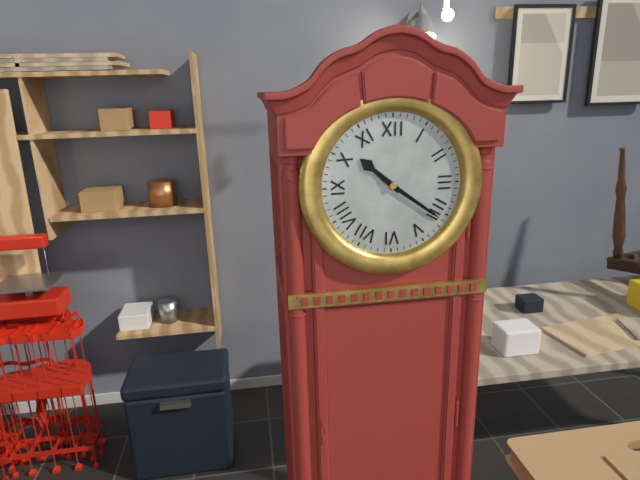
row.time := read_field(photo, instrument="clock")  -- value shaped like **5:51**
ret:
**10:21**
